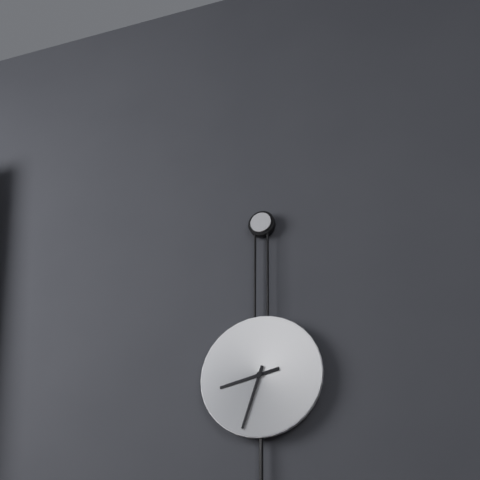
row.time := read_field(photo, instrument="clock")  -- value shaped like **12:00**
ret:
**8:33**
